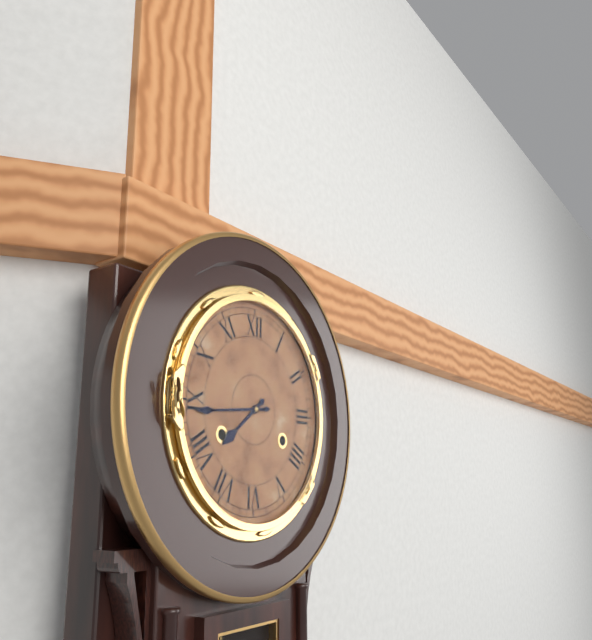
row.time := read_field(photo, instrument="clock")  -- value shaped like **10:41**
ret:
**7:44**
